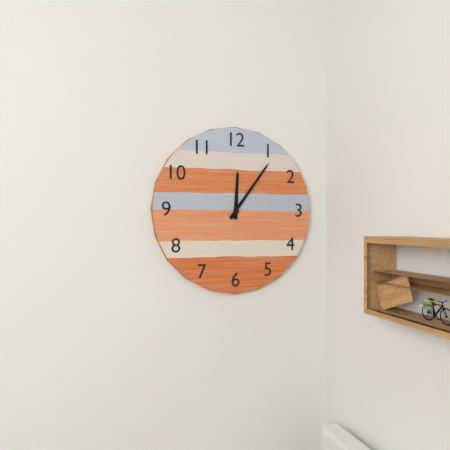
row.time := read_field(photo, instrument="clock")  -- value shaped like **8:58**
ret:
**12:06**
